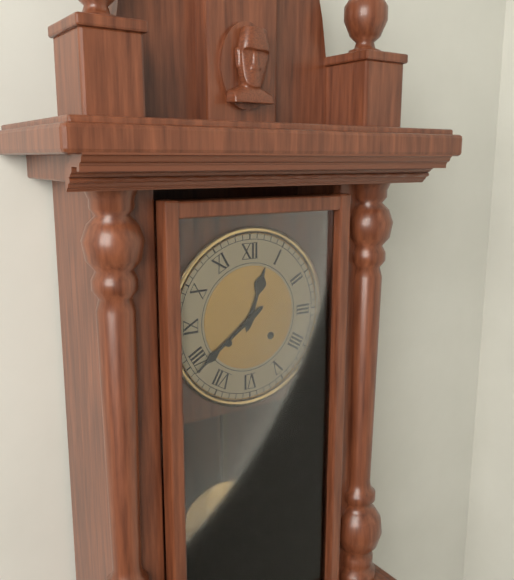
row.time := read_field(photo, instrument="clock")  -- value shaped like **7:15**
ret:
**12:39**
